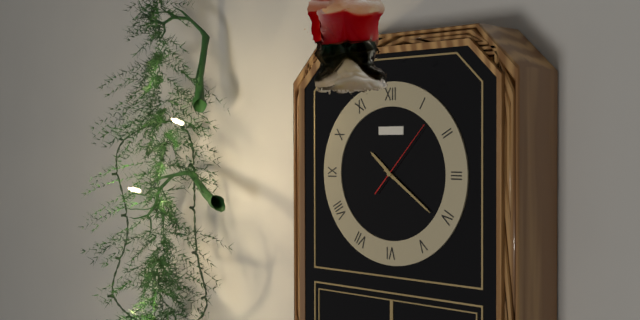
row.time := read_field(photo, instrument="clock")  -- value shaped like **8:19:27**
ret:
**10:21:07**
